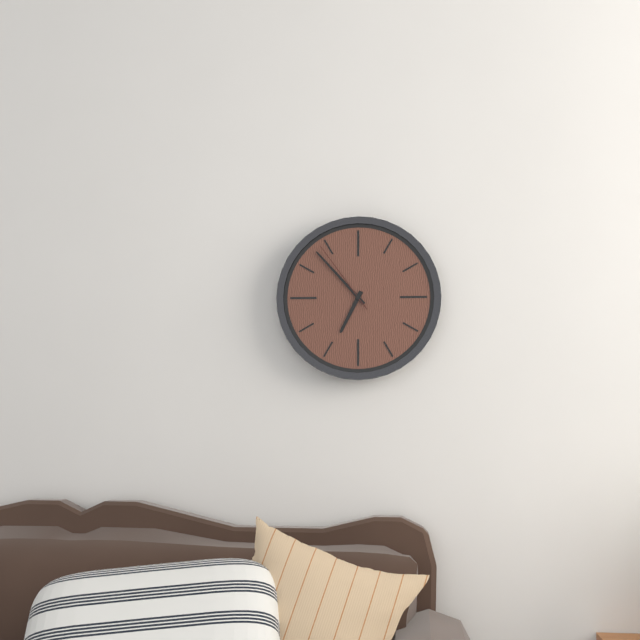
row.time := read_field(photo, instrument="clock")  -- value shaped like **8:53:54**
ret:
**6:53:54**
